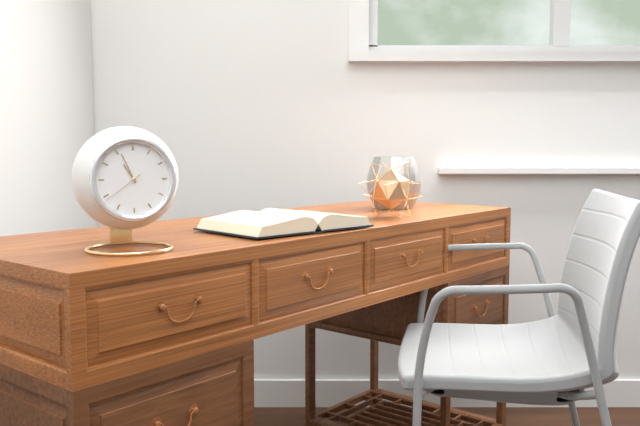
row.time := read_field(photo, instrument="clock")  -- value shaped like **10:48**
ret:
**10:56**
